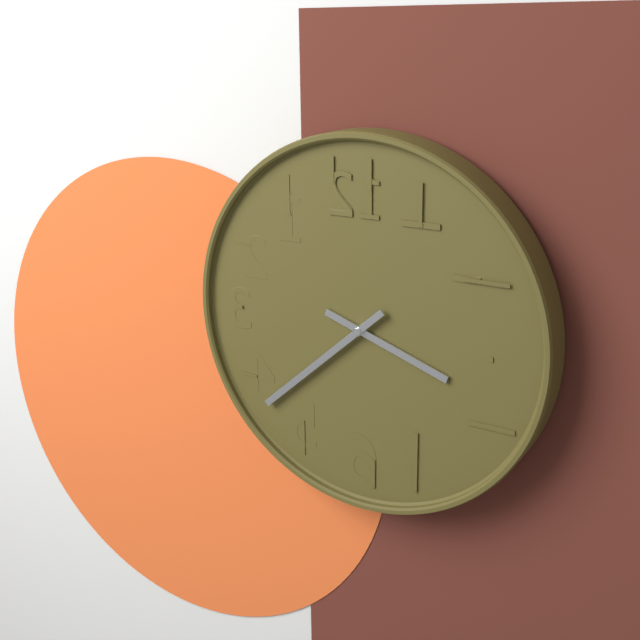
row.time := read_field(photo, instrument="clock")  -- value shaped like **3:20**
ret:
**3:38**
